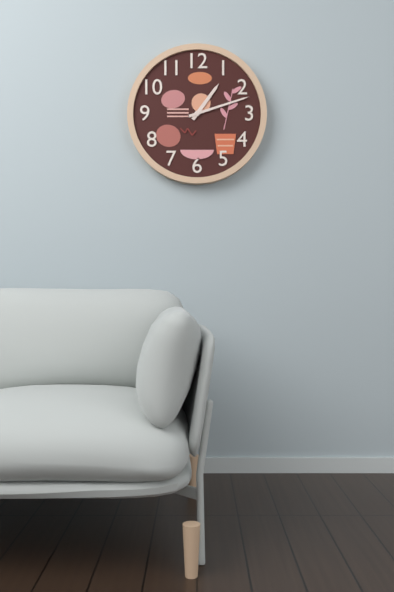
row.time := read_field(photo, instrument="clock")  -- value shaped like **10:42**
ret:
**1:12**
